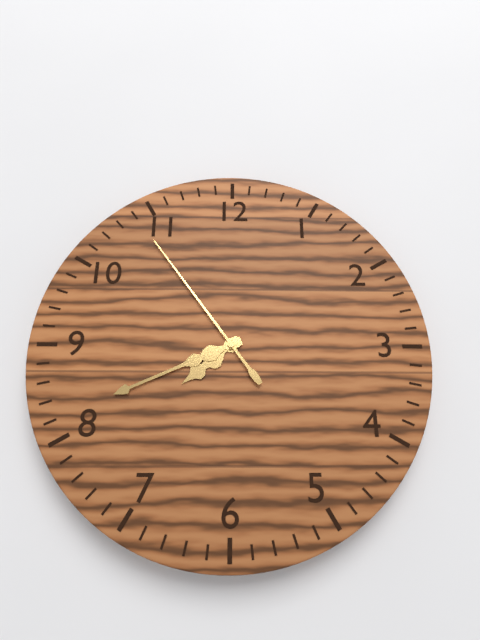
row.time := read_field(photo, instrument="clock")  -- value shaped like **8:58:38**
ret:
**7:41:54**
